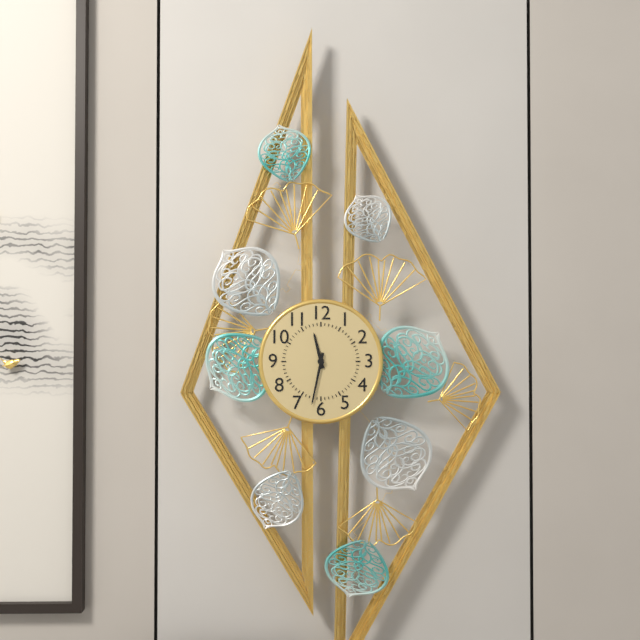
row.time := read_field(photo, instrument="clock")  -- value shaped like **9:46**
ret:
**11:32**
